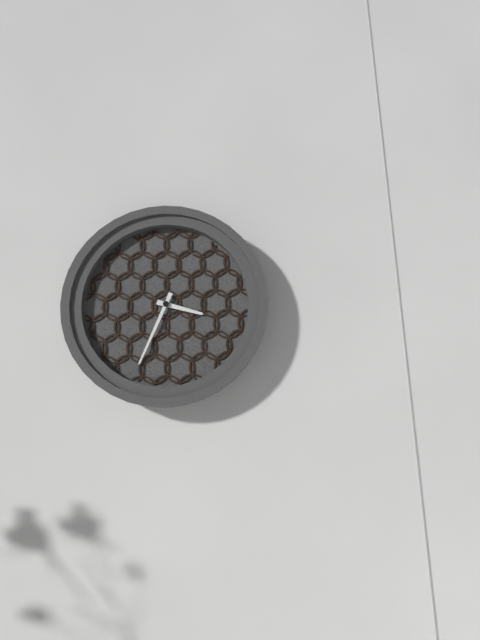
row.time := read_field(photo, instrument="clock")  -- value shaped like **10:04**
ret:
**3:34**
